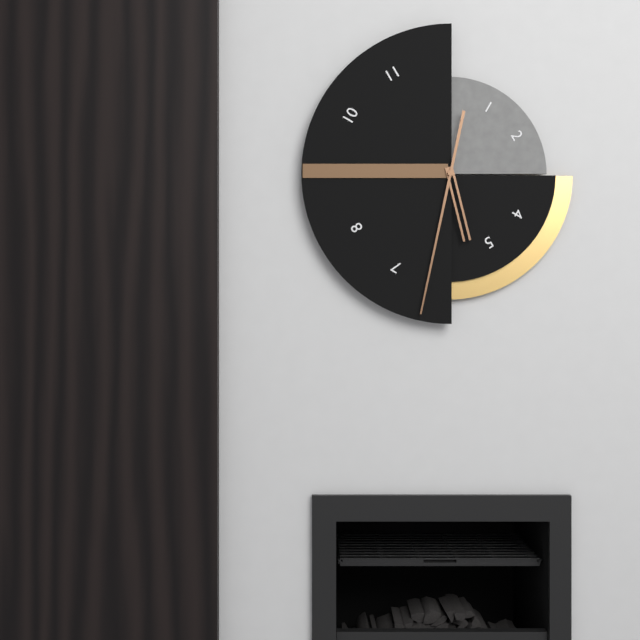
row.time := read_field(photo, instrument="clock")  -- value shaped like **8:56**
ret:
**5:32**
